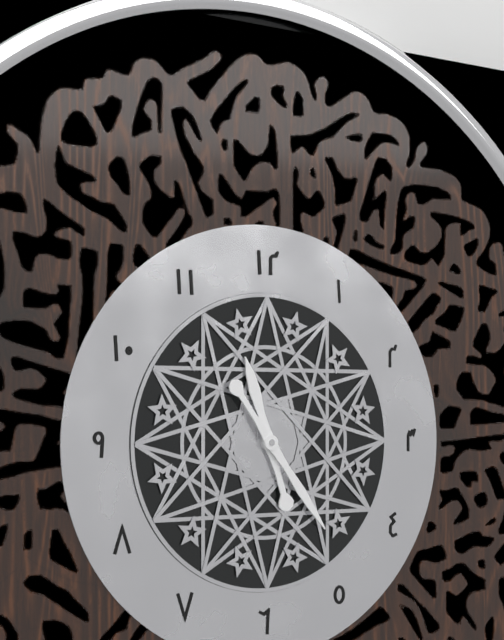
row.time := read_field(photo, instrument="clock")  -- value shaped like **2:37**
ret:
**11:24**
